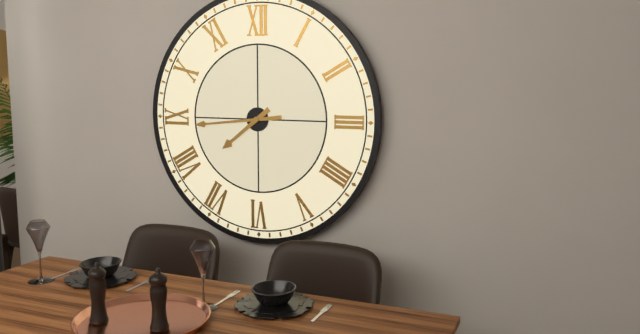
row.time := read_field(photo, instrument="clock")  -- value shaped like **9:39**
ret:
**7:44**
